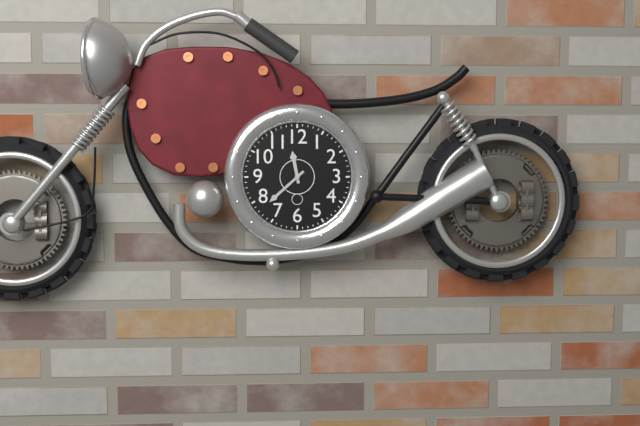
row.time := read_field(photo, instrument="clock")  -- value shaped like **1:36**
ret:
**11:38**
